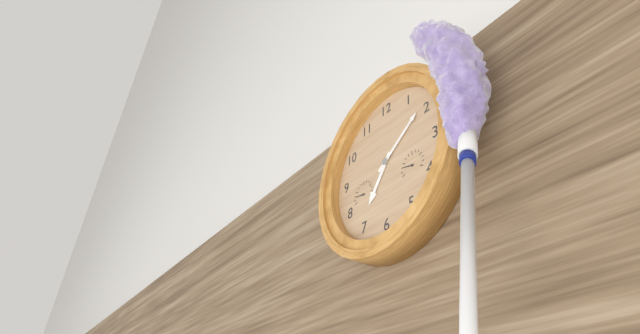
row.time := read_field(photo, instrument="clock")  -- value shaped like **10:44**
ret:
**7:09**
